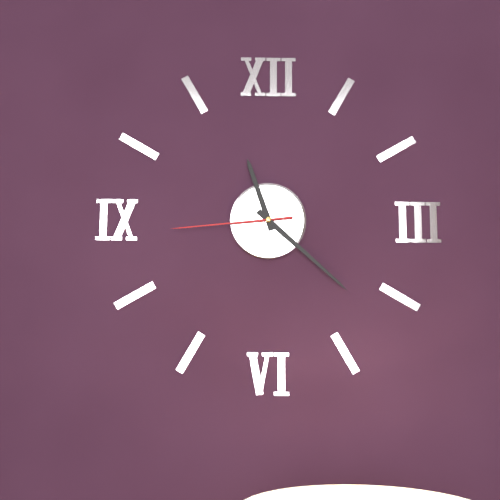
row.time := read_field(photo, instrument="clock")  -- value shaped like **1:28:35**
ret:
**11:22:44**
